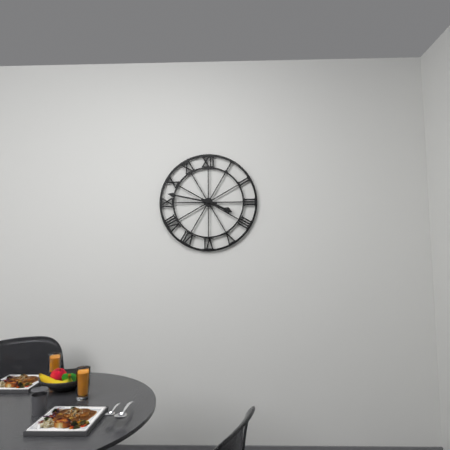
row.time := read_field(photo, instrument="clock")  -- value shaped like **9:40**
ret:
**3:47**
